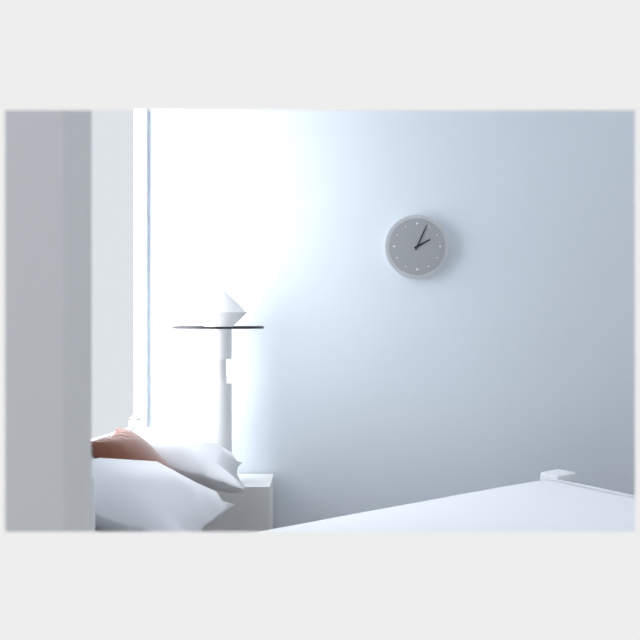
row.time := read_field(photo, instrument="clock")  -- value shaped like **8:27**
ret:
**2:04**
